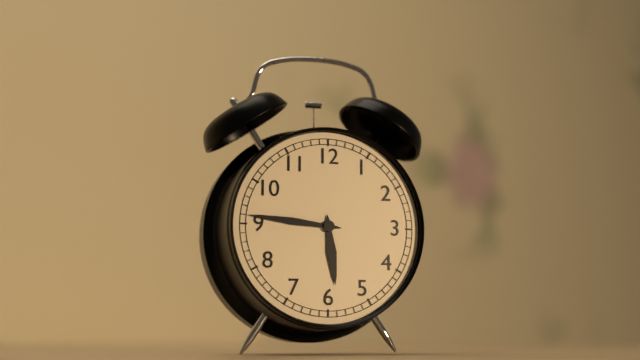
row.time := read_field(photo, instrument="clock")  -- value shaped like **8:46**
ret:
**5:46**
